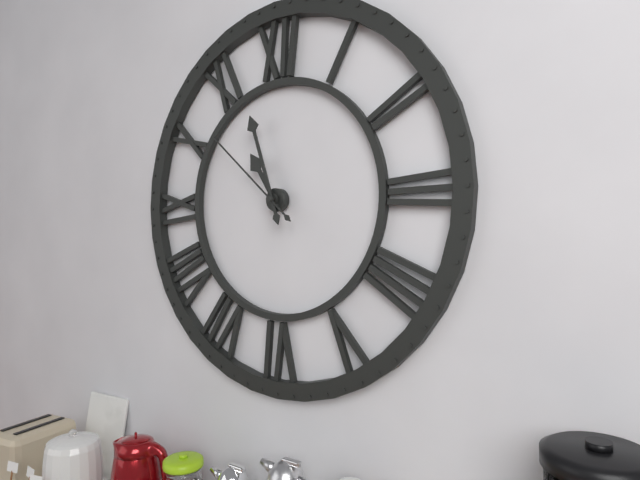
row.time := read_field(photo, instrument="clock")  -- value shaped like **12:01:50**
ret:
**10:57:52**
